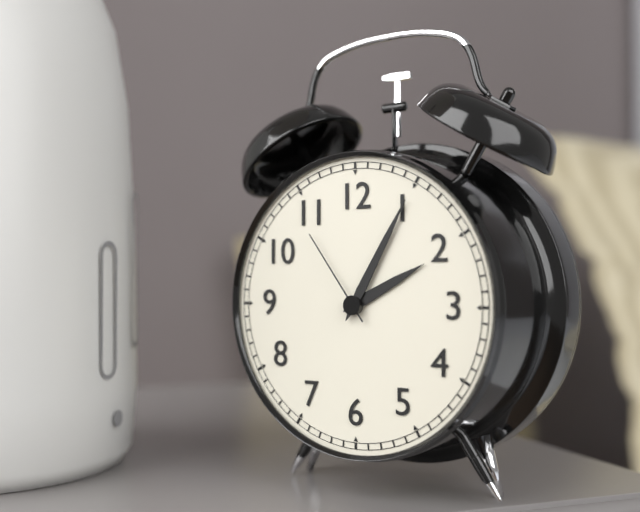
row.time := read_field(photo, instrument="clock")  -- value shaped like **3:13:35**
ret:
**2:05:54**
